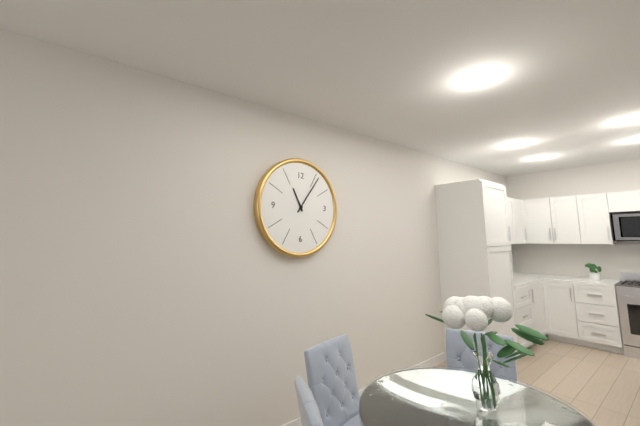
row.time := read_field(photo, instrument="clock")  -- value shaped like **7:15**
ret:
**11:06**
